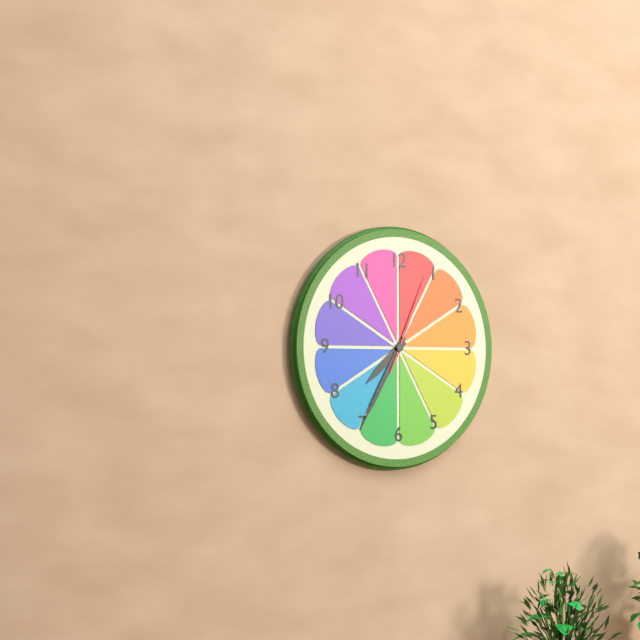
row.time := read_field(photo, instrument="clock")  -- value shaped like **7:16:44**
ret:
**7:35:04**
